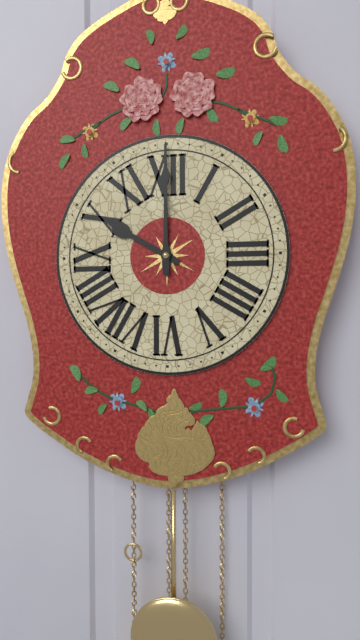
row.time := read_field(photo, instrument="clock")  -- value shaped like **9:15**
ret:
**10:00**
